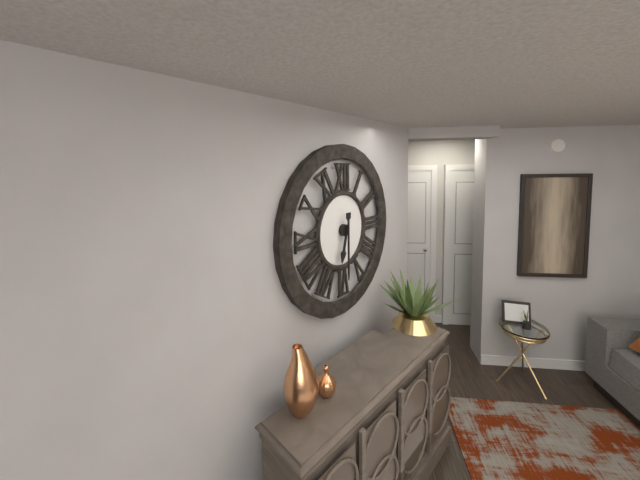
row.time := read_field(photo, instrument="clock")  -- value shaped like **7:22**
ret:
**6:30**
